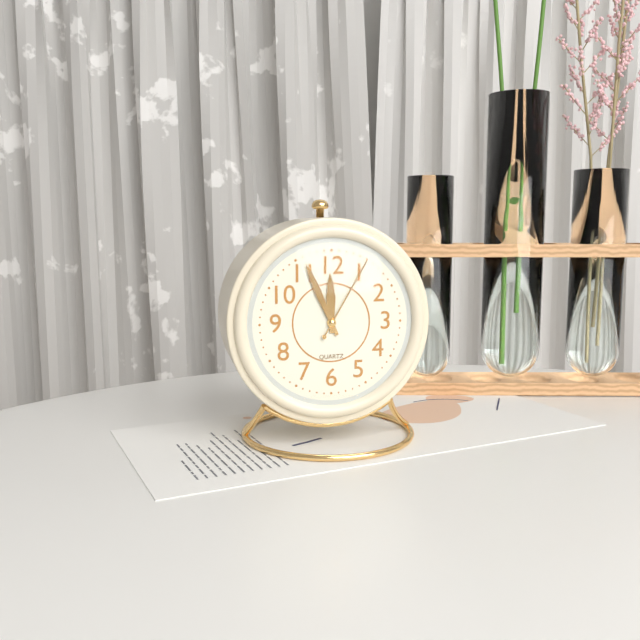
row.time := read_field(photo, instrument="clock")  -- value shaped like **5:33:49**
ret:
**11:56:05**
